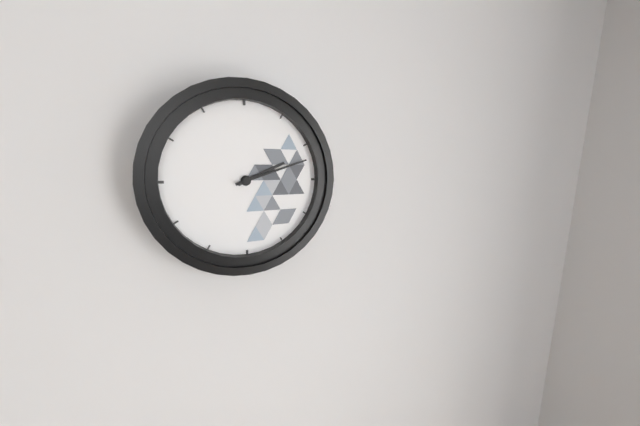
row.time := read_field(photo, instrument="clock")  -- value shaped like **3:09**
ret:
**2:12**
